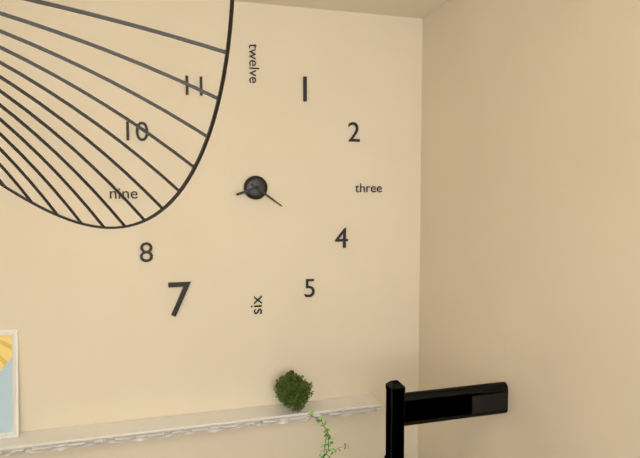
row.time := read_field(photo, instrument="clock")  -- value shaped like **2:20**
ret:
**8:21**
